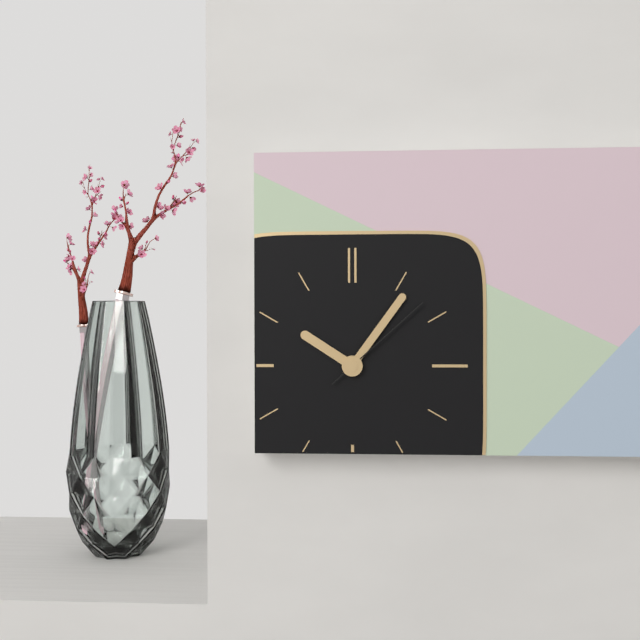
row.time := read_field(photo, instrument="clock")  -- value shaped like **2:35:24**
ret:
**10:06:08**
